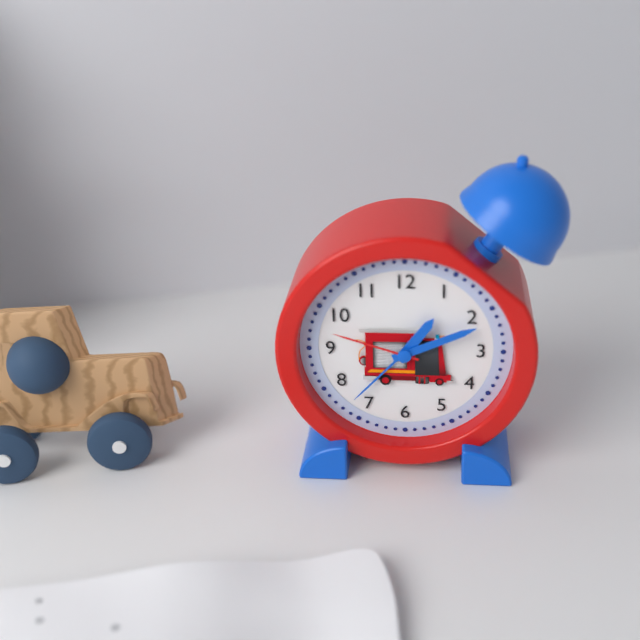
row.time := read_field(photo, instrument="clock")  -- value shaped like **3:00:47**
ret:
**1:11:48**
